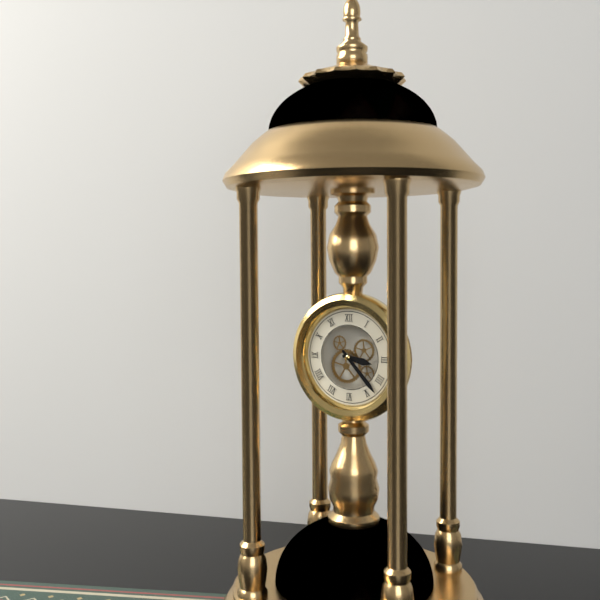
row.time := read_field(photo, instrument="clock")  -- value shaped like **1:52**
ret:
**3:23**
